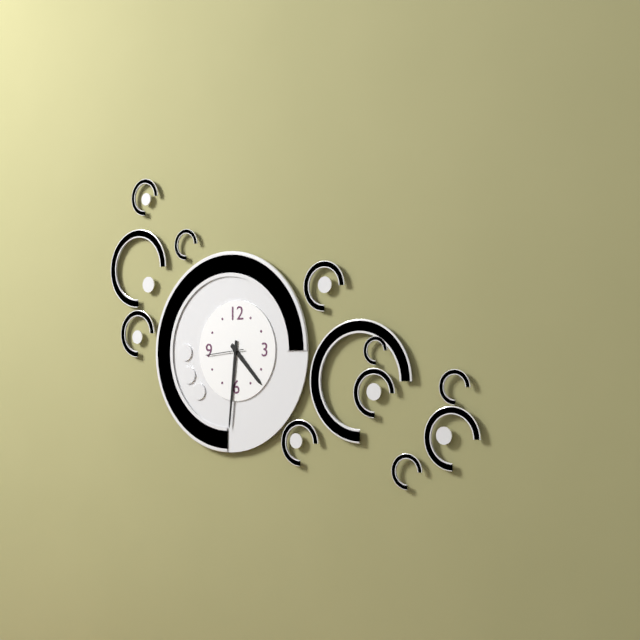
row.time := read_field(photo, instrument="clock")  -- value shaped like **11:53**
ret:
**4:31**
